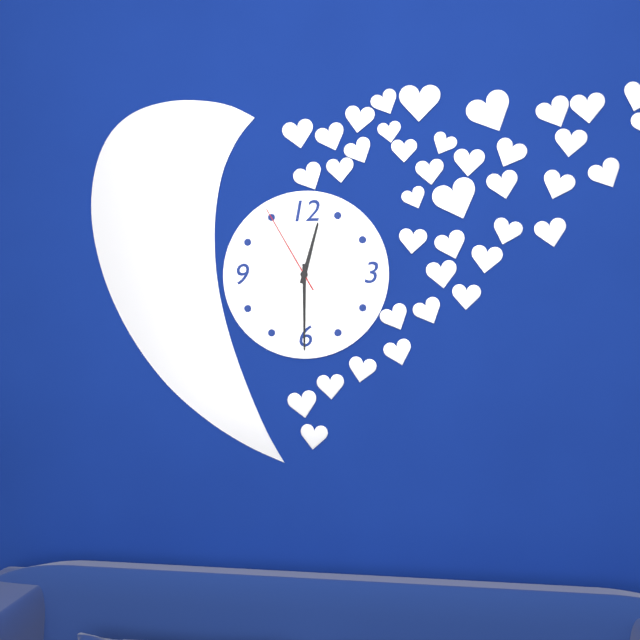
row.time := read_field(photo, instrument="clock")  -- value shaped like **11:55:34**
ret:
**12:30:55**
